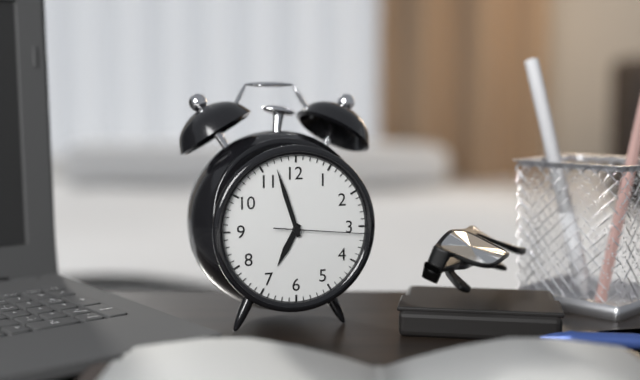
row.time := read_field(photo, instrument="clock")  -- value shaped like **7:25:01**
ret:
**6:57:16**
